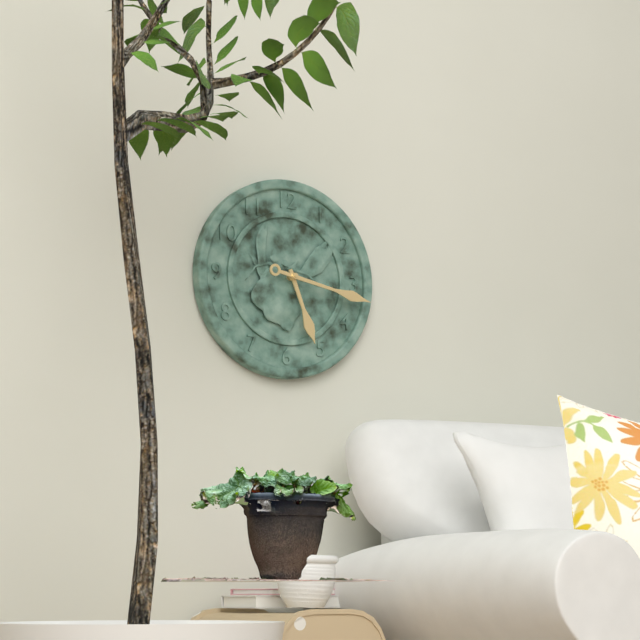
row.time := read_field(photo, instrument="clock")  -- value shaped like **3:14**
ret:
**5:17**
